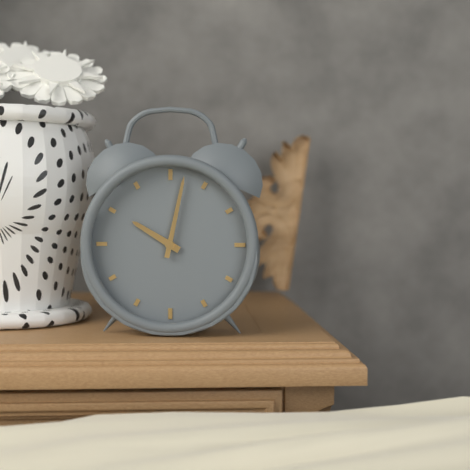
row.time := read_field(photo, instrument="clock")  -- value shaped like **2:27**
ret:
**10:02**
